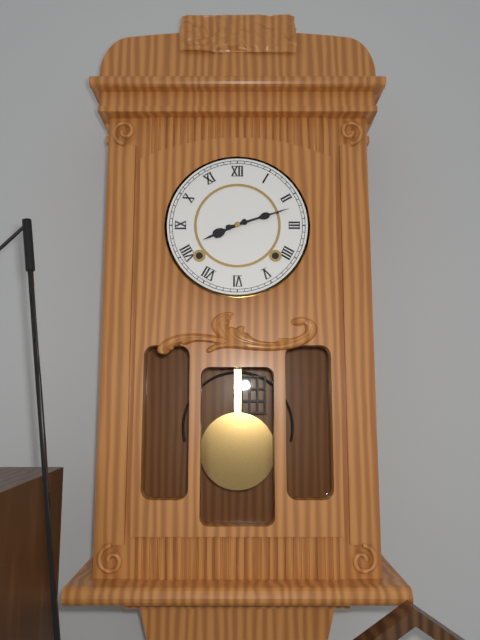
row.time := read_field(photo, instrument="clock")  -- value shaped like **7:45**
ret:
**8:12**
